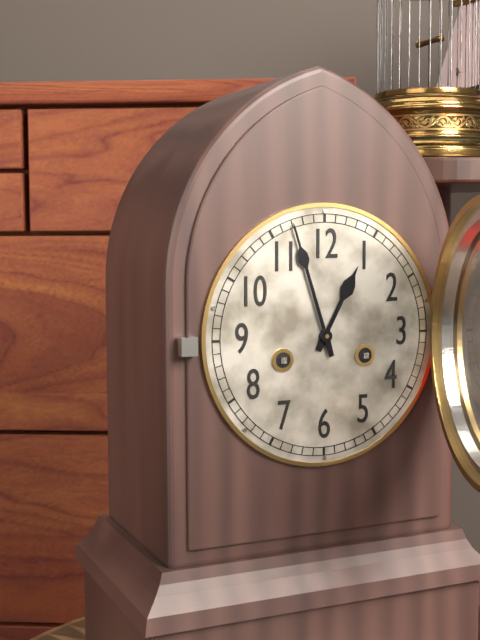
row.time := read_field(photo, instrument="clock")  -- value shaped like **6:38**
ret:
**12:57**
